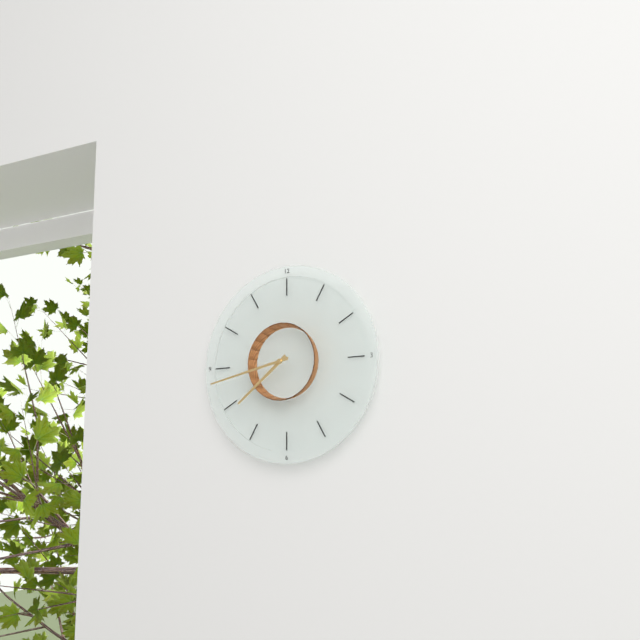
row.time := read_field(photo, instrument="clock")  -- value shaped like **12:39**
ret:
**7:43**
